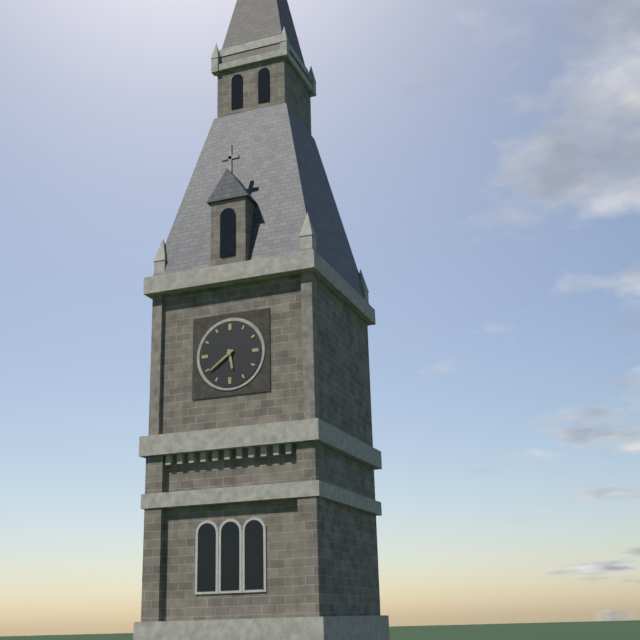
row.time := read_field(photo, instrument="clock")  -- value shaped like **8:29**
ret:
**5:39**
